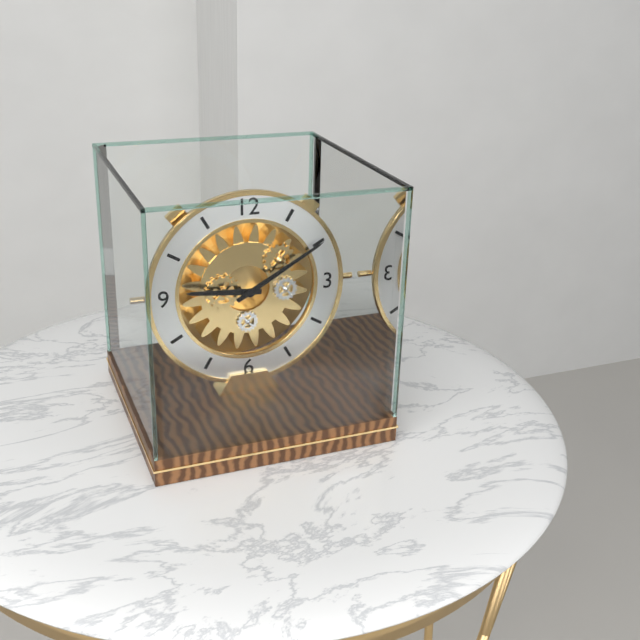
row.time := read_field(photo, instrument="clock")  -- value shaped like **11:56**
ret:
**9:10**
